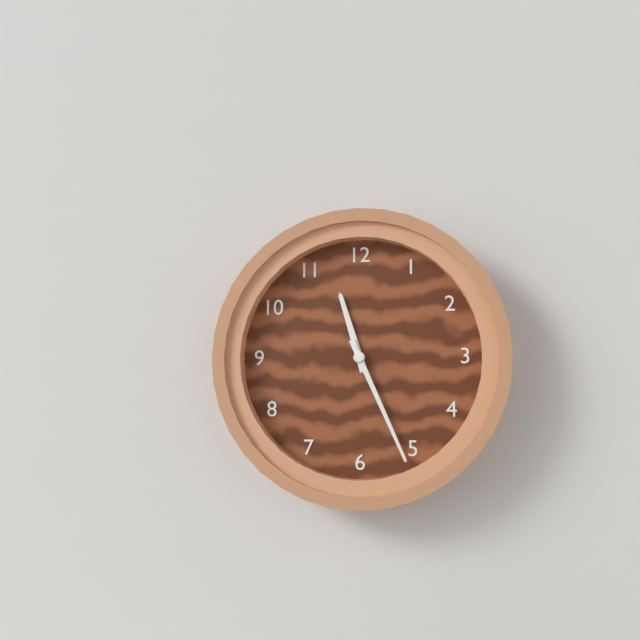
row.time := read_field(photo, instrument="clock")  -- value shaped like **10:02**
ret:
**11:26**
